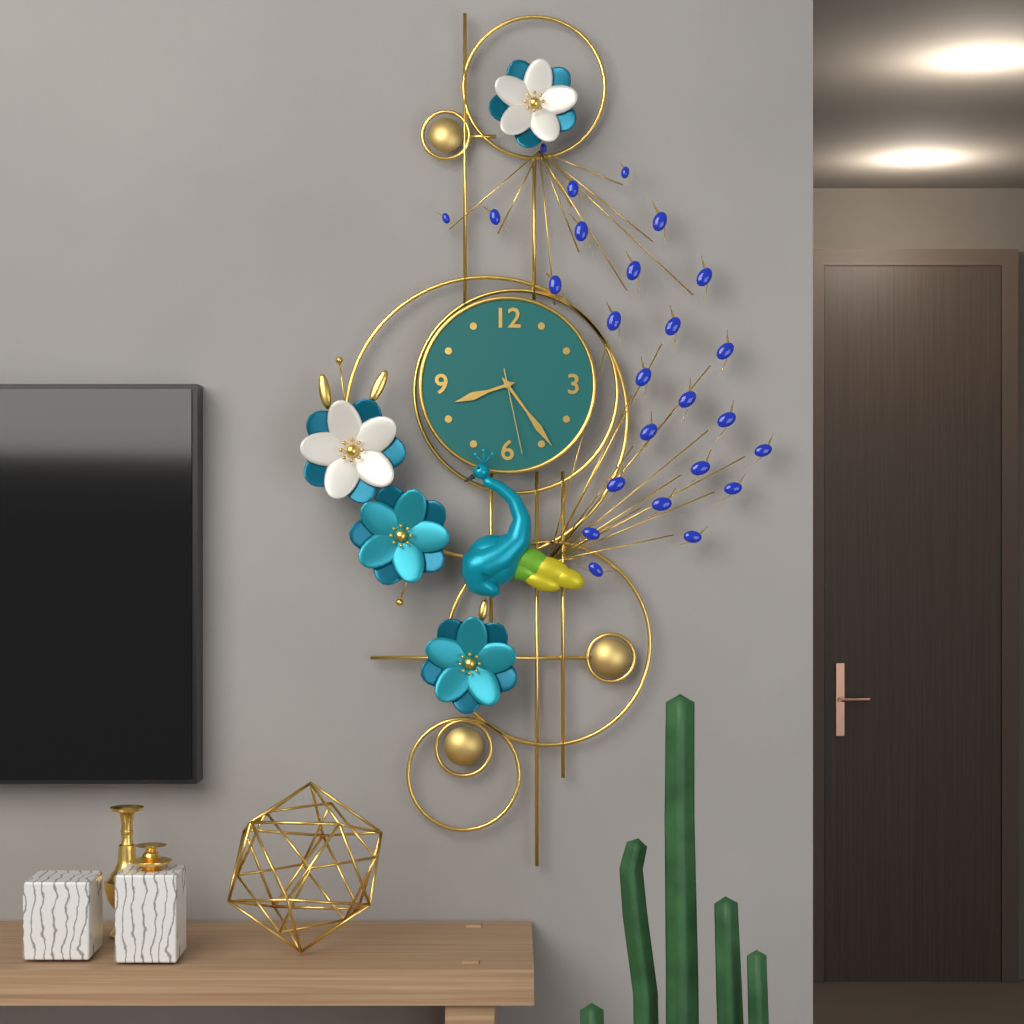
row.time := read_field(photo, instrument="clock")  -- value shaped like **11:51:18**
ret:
**8:24:28**
